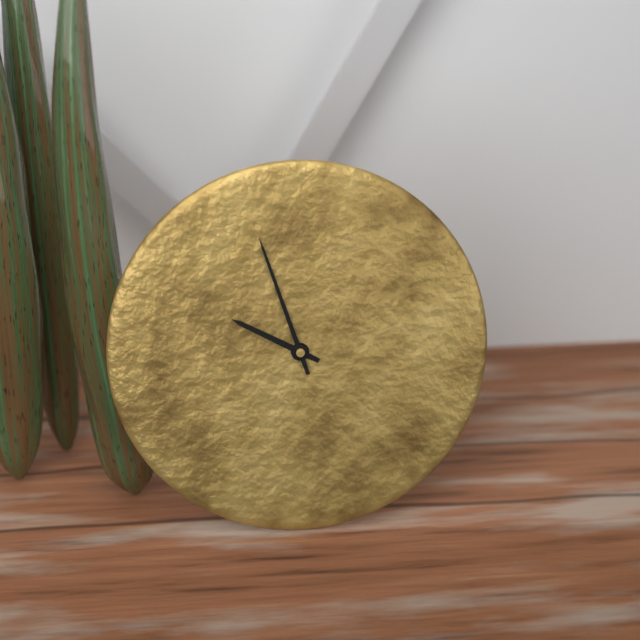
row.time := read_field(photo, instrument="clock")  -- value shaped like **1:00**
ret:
**9:57**
